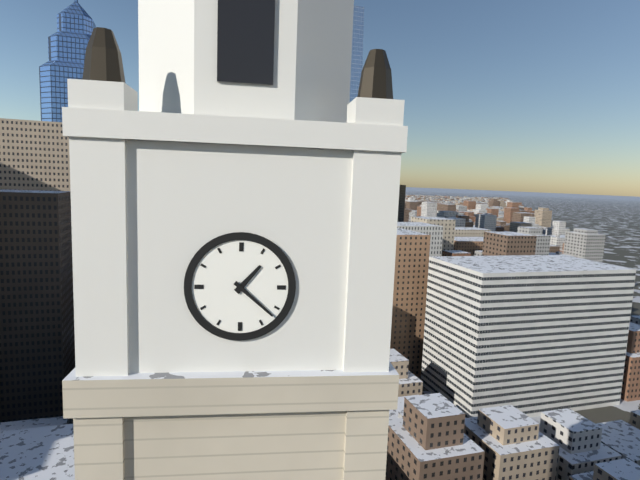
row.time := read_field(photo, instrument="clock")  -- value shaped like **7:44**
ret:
**1:22**
